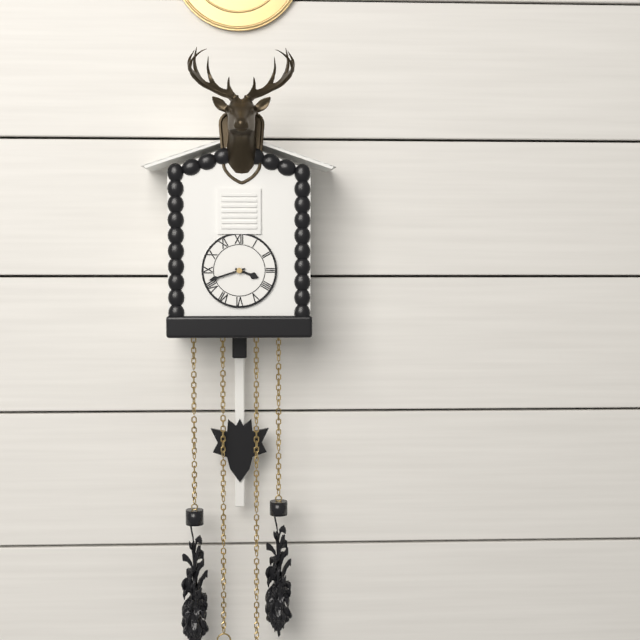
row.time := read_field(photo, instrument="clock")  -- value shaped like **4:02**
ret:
**3:42**
